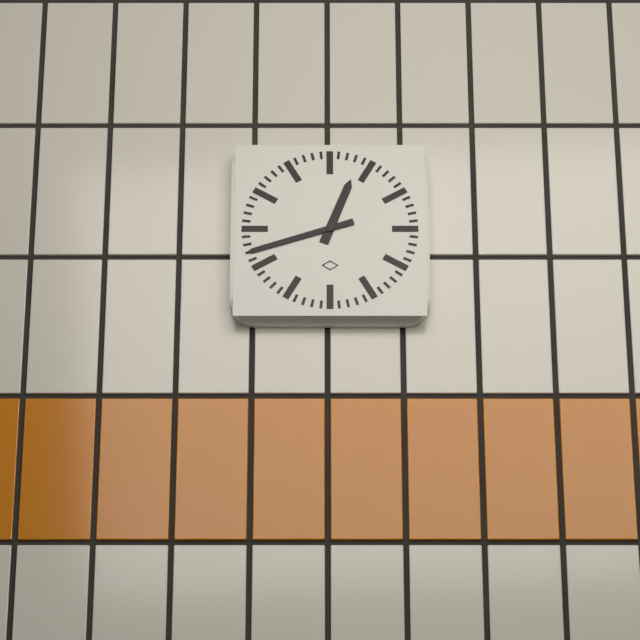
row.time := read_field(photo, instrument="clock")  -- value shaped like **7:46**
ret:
**12:42**
